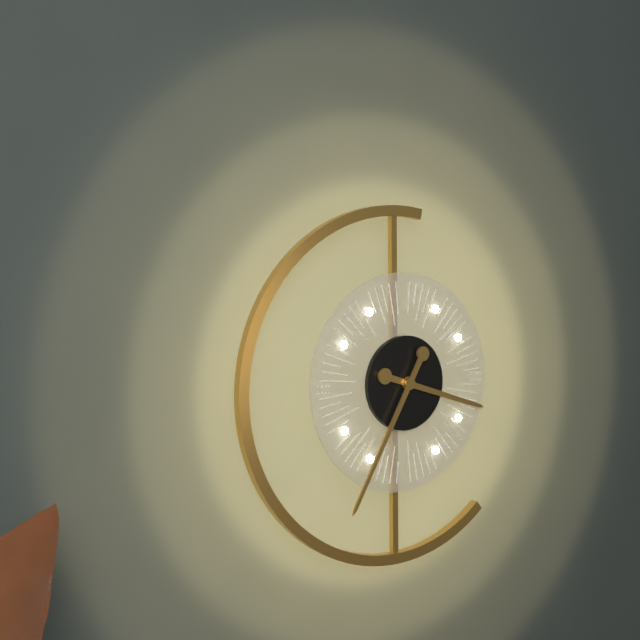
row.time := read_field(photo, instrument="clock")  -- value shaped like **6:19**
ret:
**3:35**
